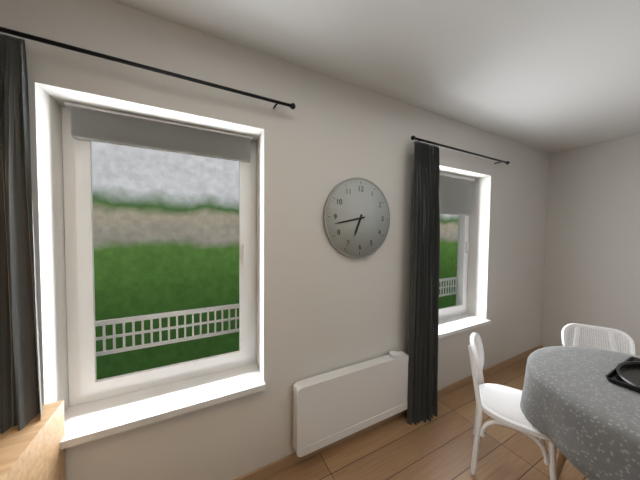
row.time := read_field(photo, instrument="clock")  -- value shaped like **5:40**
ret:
**6:43**
